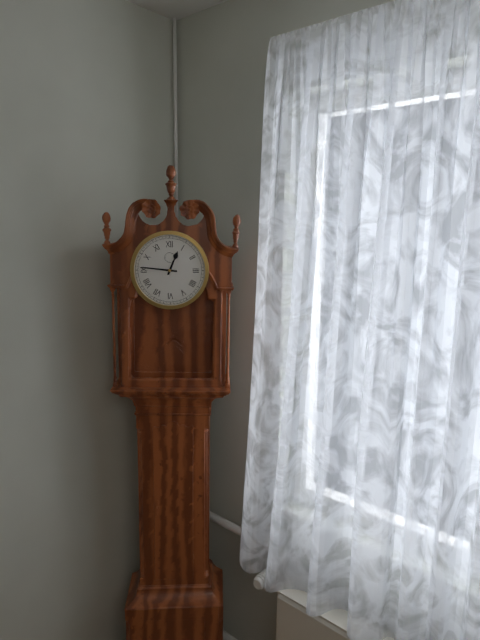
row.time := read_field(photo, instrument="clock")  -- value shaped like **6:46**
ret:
**12:46**
